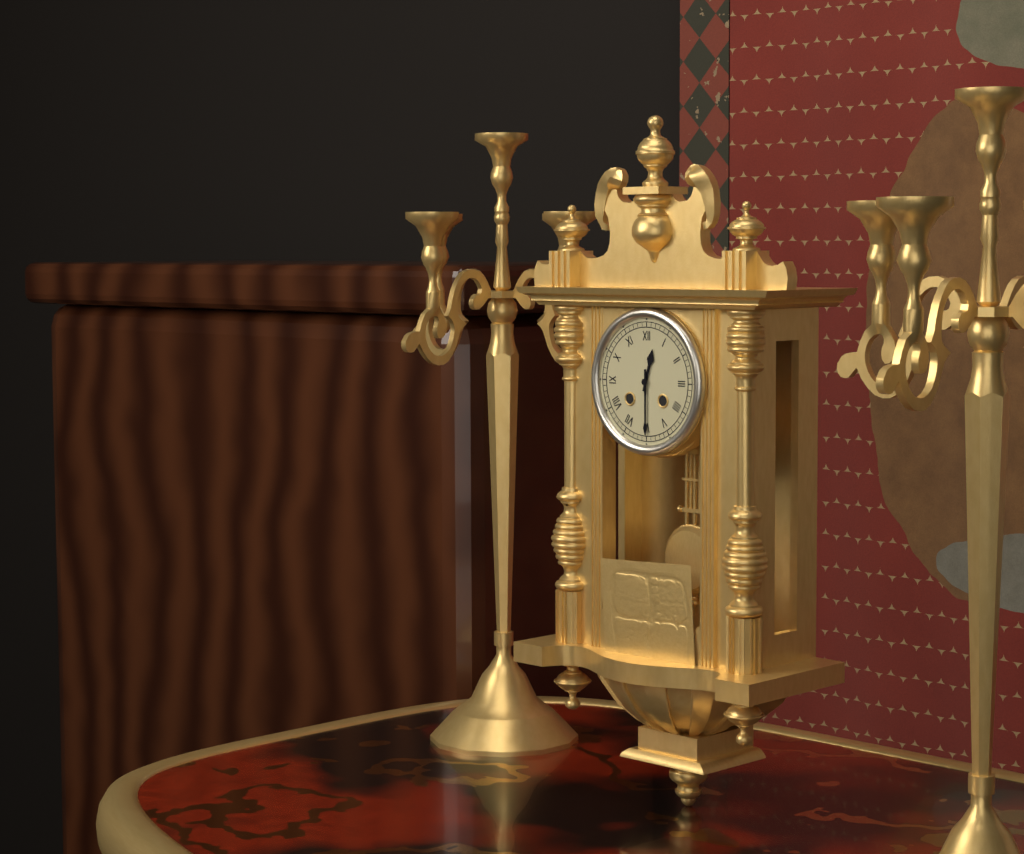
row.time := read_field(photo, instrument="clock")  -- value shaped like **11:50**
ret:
**12:30**
